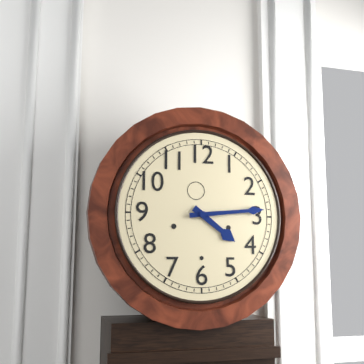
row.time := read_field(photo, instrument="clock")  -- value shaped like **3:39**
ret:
**4:14**
